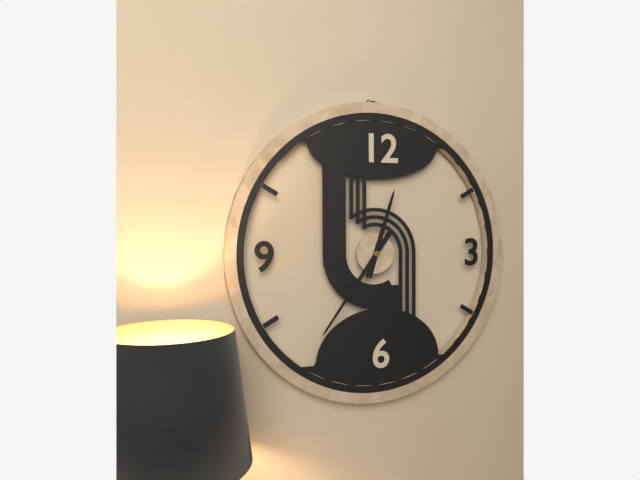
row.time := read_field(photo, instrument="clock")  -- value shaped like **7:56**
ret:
**12:36**
